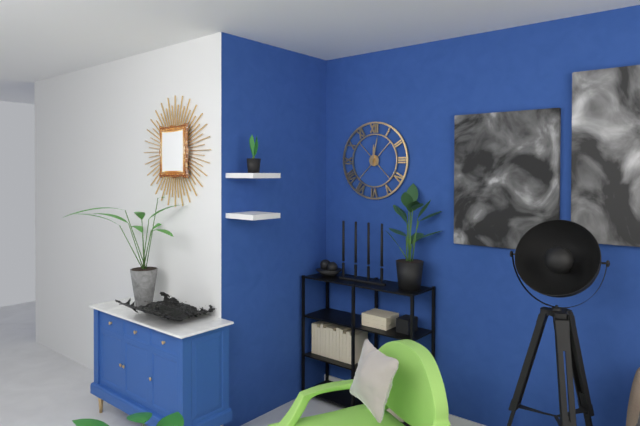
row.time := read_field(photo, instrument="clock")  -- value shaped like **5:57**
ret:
**12:02**
